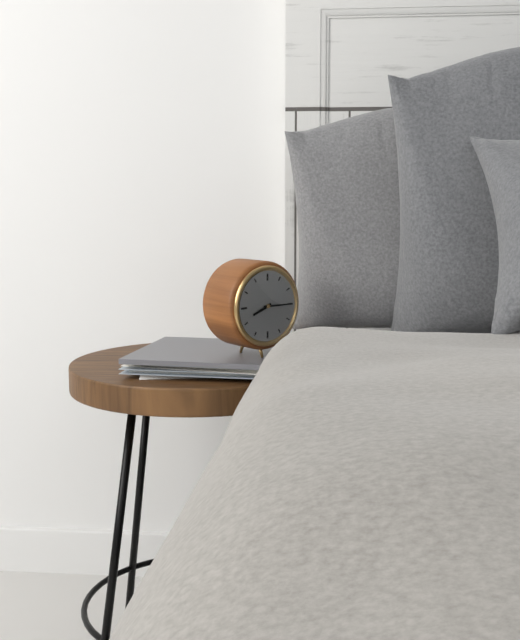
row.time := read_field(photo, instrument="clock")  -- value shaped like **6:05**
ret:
**8:15**
